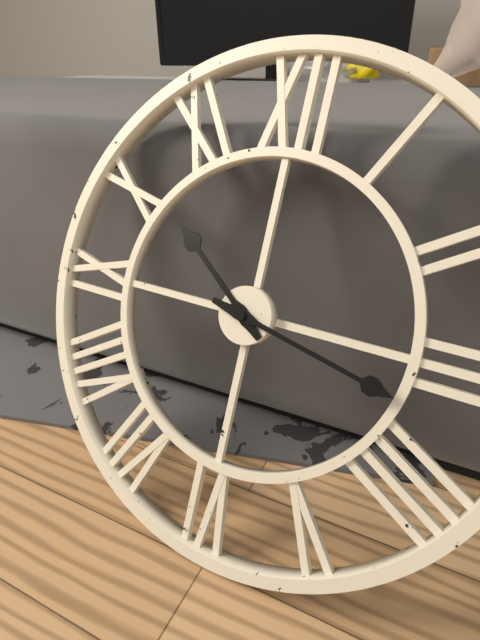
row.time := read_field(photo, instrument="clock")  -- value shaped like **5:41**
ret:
**10:17**
